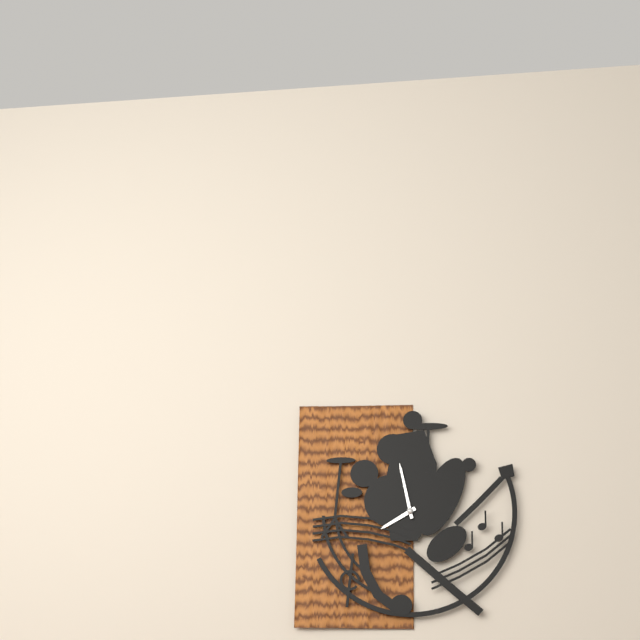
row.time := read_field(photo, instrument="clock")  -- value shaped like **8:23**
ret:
**7:58**
